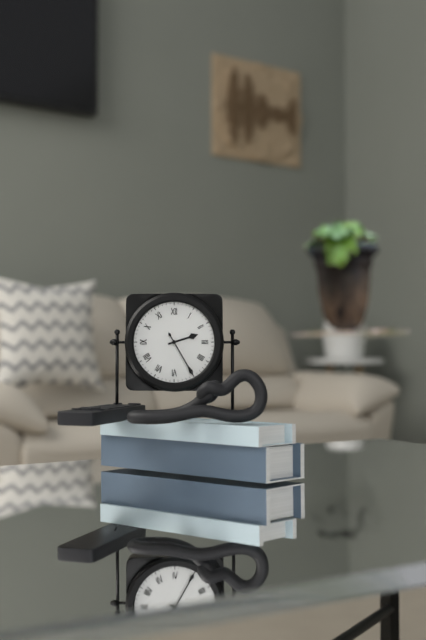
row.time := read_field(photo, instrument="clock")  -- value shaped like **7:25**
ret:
**2:25**
